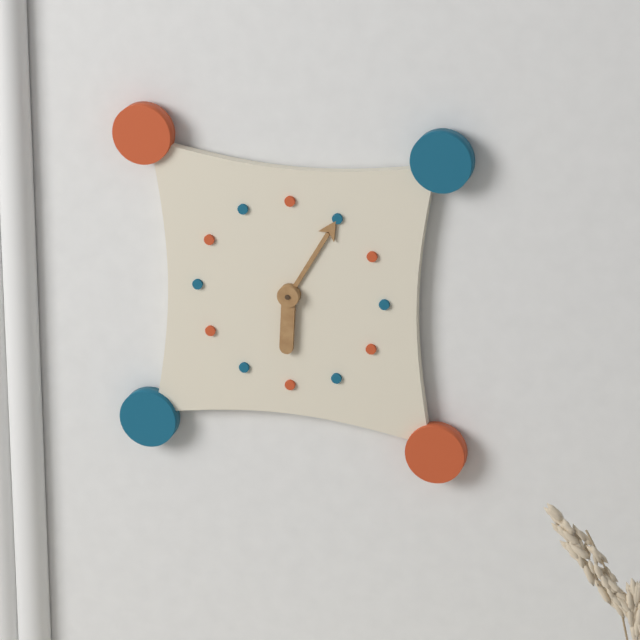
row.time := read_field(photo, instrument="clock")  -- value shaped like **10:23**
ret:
**6:05**
